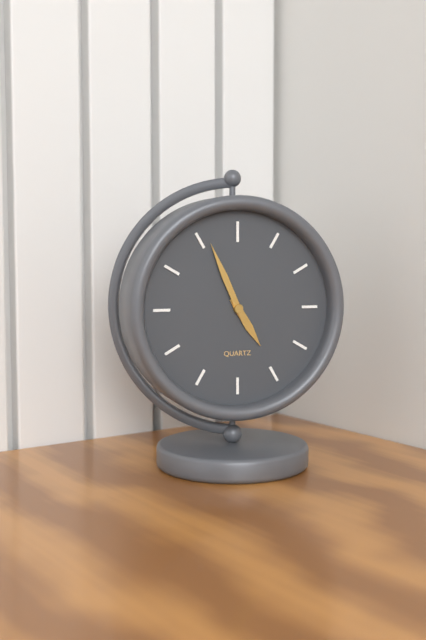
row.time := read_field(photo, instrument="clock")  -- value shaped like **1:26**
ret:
**4:56**
